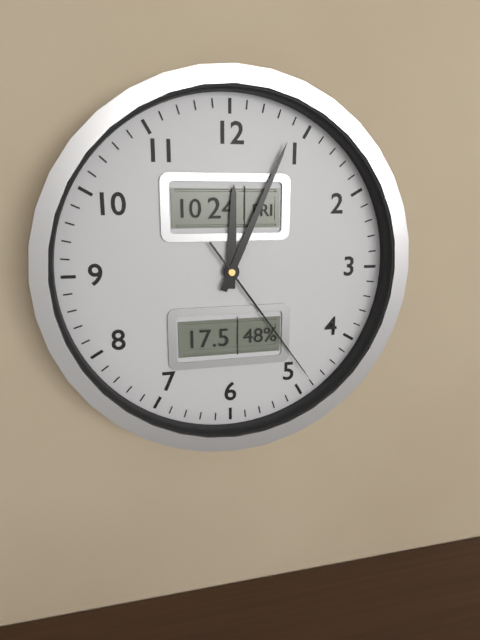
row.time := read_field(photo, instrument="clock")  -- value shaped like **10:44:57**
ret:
**12:04:24**
